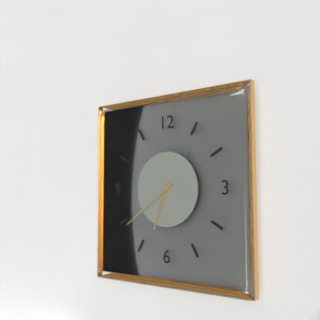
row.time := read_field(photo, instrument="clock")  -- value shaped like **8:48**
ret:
**6:39**
